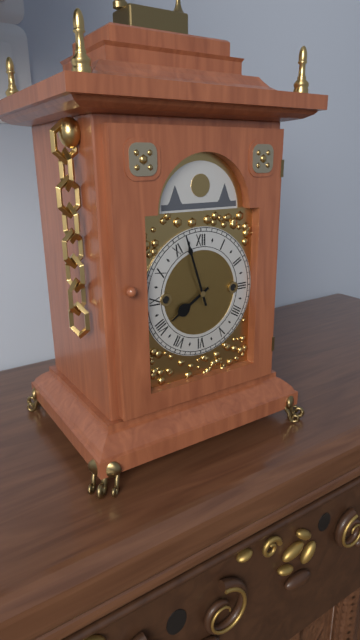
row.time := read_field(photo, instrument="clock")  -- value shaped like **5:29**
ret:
**7:57**
